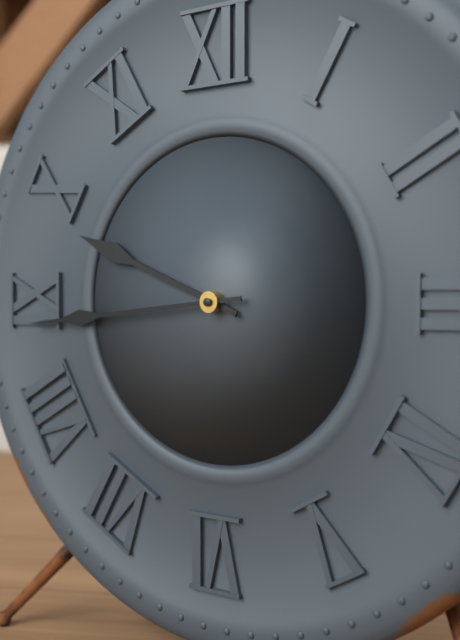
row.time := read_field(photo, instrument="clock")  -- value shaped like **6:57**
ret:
**9:44**
